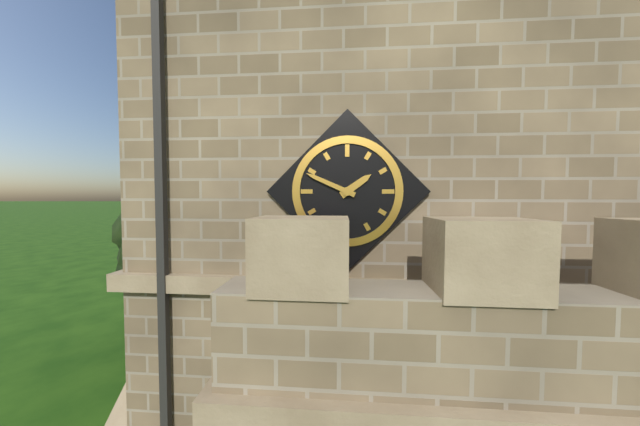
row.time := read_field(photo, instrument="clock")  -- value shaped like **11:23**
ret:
**1:49**
